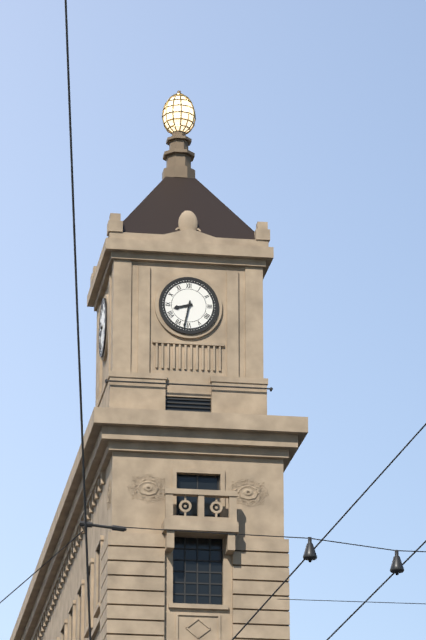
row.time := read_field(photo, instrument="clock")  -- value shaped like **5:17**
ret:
**8:32**
